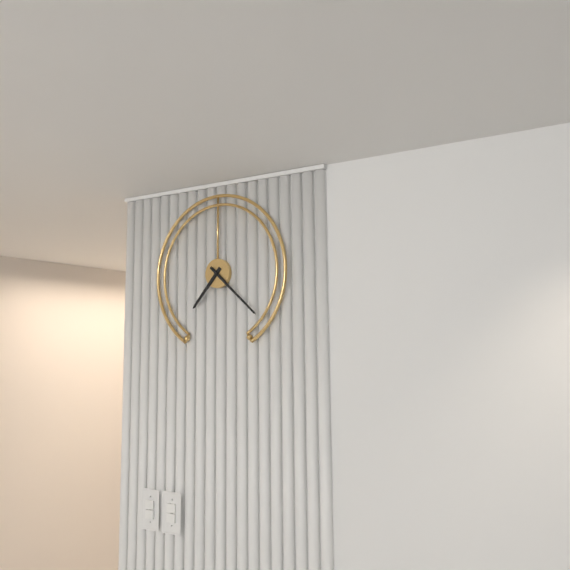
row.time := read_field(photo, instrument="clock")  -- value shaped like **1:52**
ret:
**7:22**
